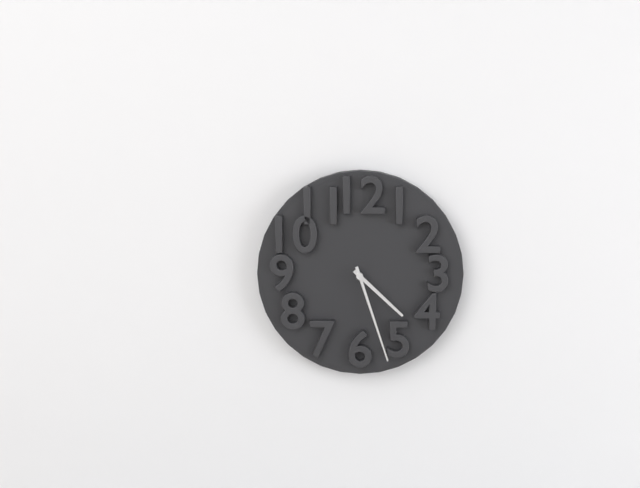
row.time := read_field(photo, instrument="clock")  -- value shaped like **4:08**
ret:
**4:27**
